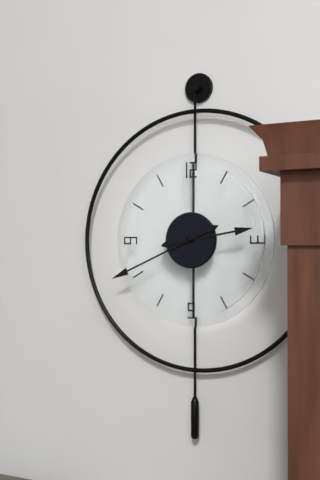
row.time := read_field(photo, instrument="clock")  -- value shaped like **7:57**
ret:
**2:41**
